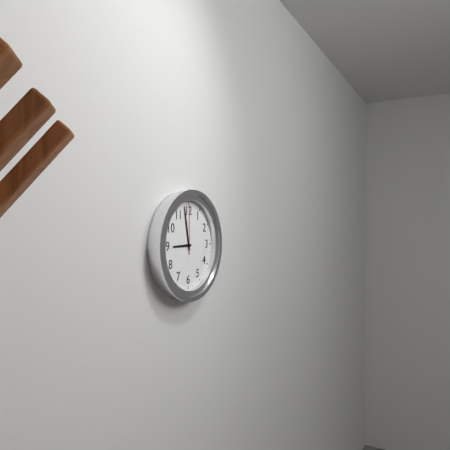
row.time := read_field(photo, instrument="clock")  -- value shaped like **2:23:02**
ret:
**8:58:00**
